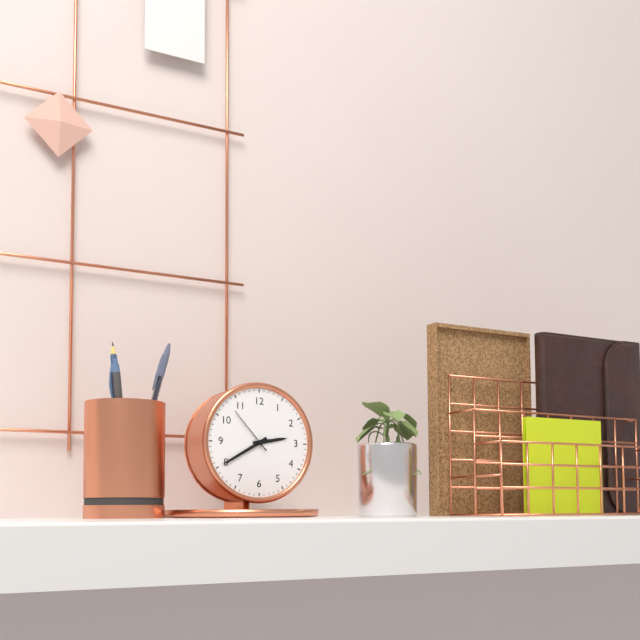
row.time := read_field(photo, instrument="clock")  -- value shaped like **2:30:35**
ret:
**2:40:53**
